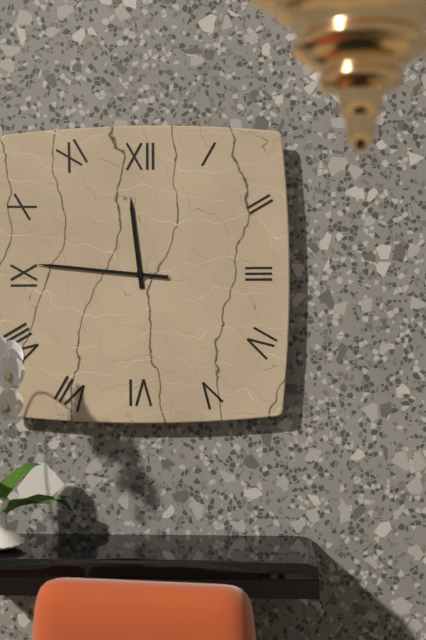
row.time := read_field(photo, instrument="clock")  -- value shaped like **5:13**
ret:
**11:46**
